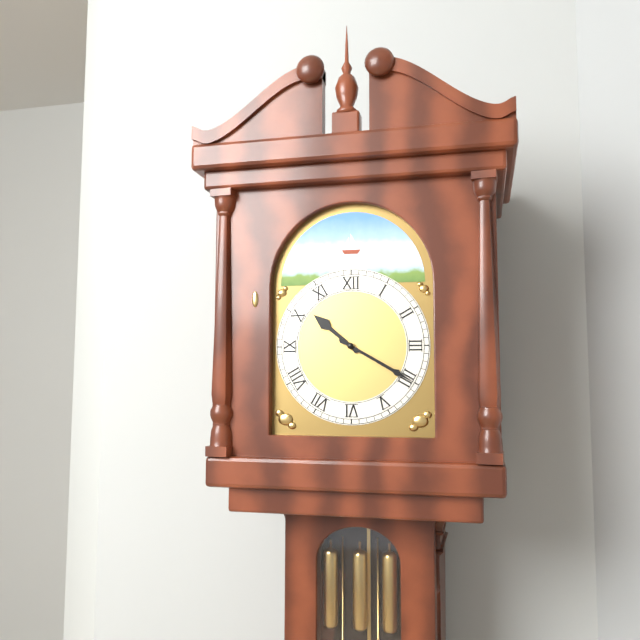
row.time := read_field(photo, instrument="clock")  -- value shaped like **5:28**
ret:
**10:20**
